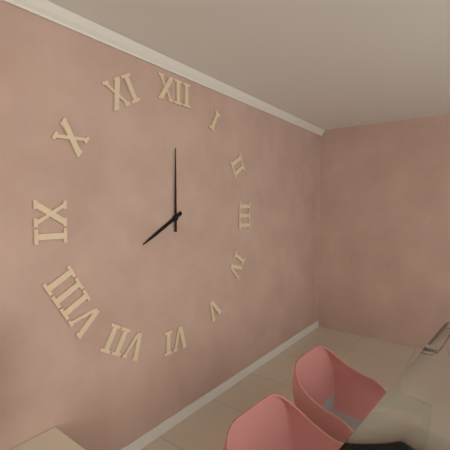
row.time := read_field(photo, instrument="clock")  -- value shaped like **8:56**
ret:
**8:00**
